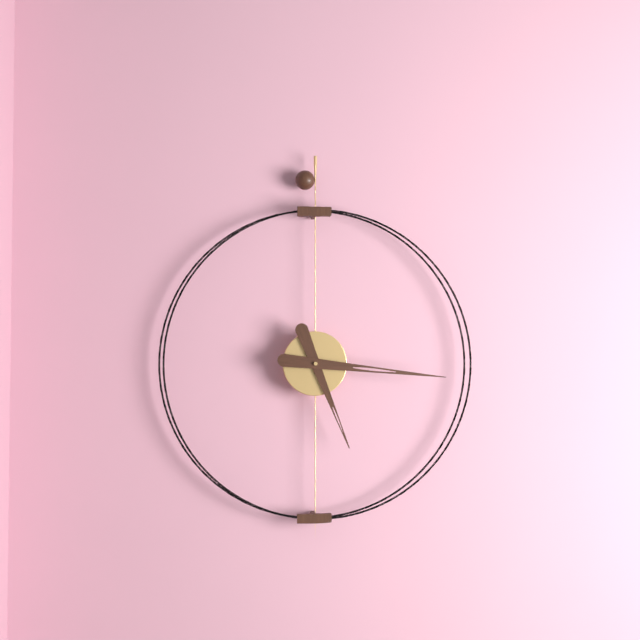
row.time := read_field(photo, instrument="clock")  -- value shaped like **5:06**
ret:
**5:16**
